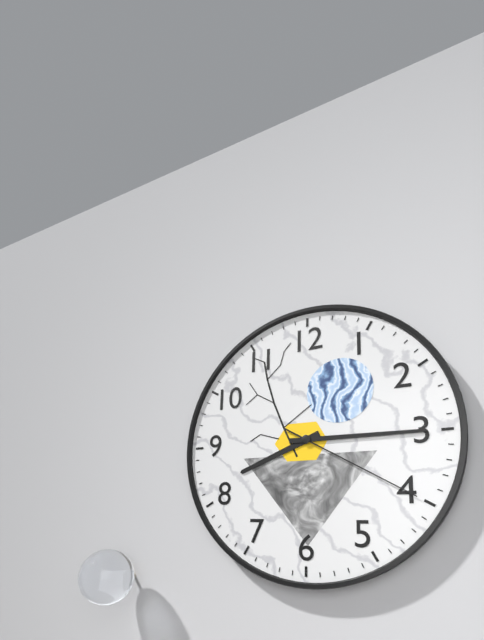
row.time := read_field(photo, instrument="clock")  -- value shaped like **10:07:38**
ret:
**8:15:20**
